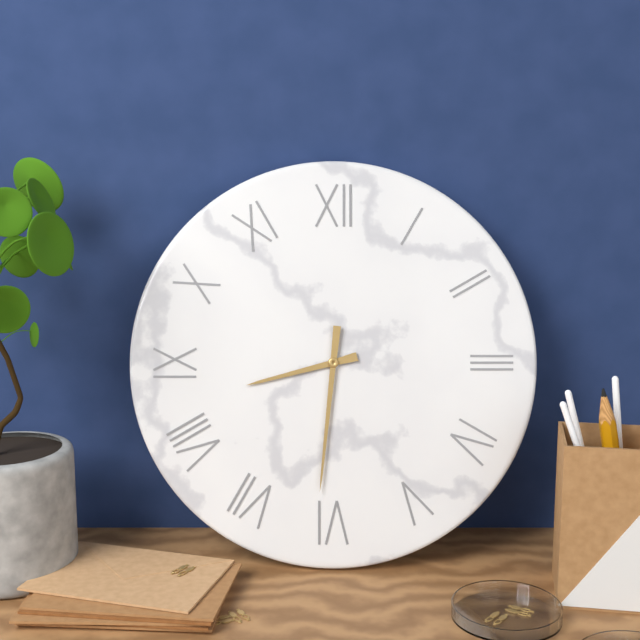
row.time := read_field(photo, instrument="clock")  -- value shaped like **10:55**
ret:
**8:31**
